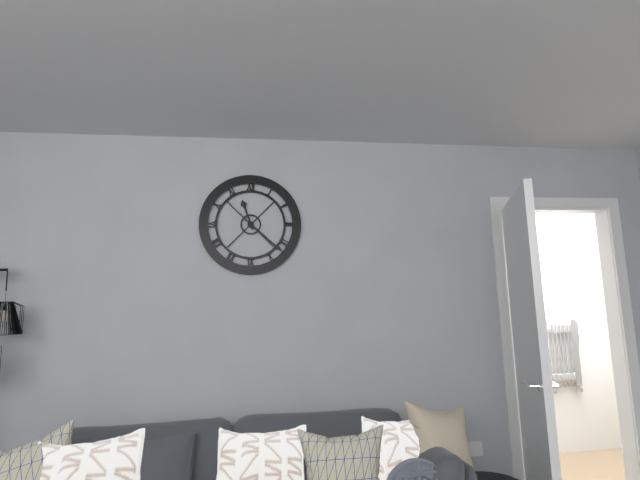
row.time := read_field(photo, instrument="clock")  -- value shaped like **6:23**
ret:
**11:22**
